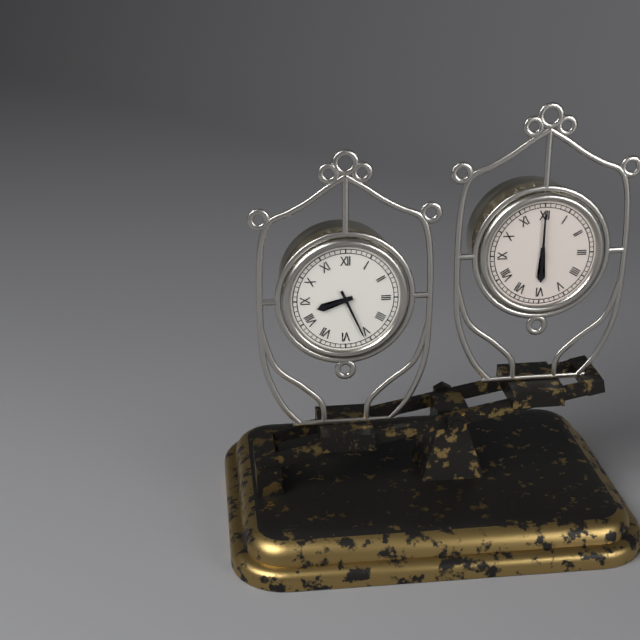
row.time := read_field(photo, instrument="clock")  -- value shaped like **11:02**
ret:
**8:26**
